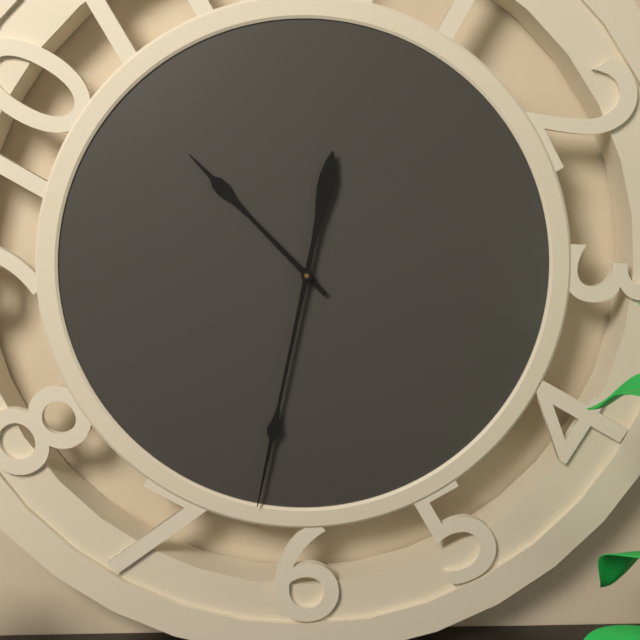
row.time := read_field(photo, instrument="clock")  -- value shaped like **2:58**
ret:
**10:32**
